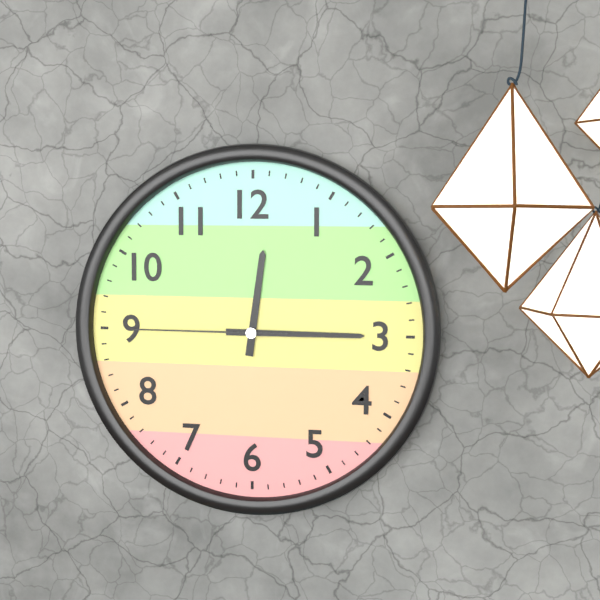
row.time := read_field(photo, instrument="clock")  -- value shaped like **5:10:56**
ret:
**12:15:45**
